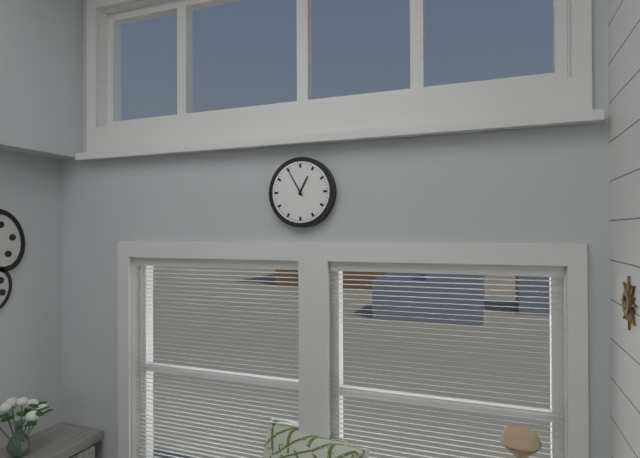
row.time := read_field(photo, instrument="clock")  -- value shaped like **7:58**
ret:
**12:55**
